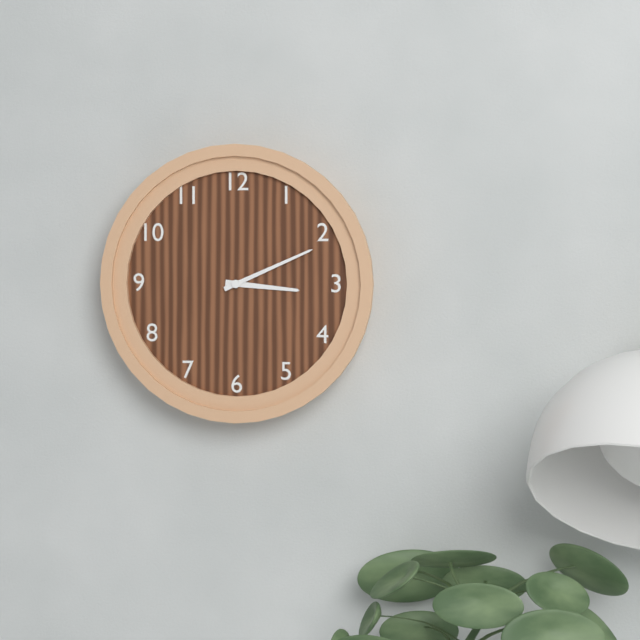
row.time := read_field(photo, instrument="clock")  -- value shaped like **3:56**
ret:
**3:11**
